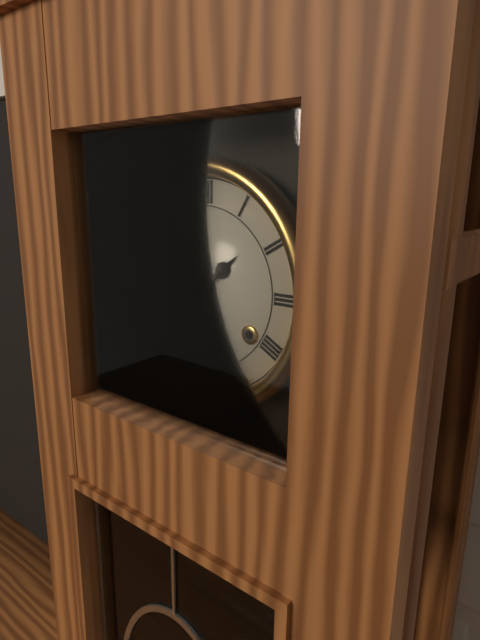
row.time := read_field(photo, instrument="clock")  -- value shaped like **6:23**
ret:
**1:38**
